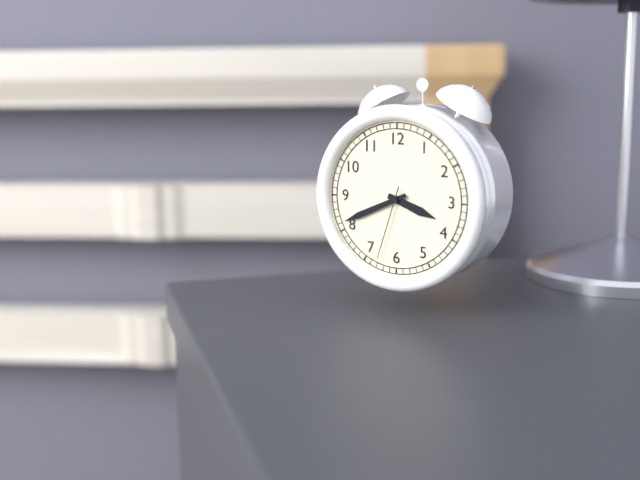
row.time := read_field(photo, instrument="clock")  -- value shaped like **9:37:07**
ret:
**3:41:33**
